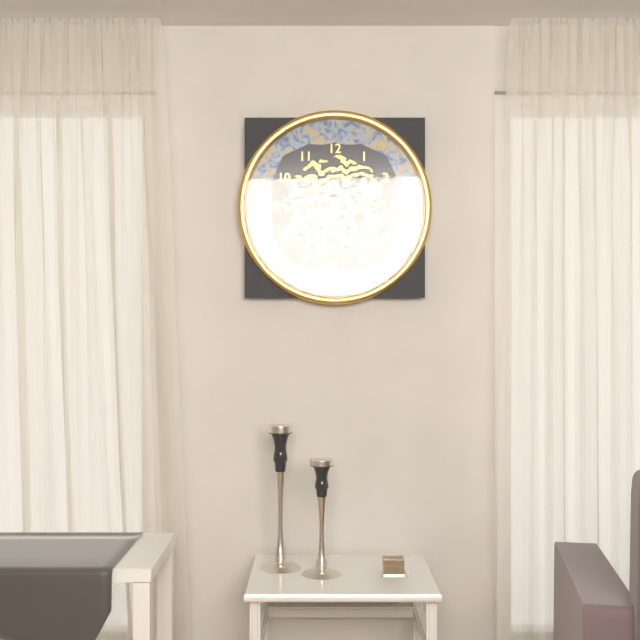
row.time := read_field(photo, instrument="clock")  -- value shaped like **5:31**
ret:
**6:41**
